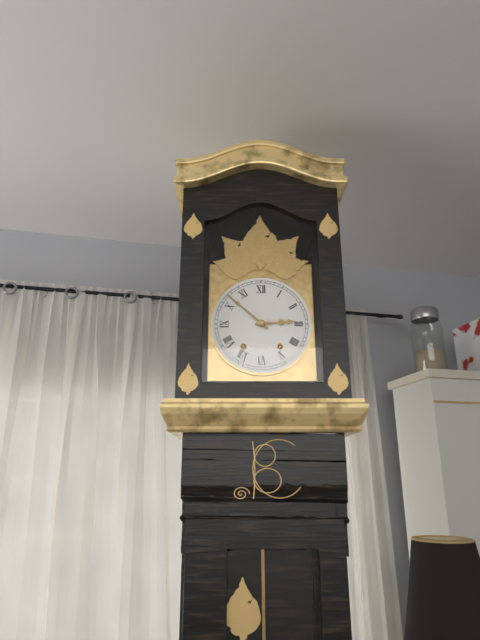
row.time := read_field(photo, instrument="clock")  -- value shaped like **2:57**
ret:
**2:52**
